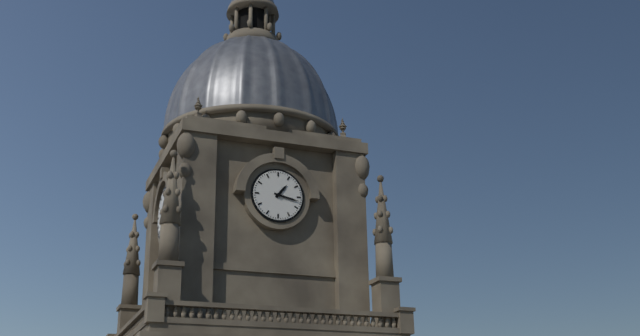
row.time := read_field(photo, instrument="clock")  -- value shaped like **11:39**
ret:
**1:17**
